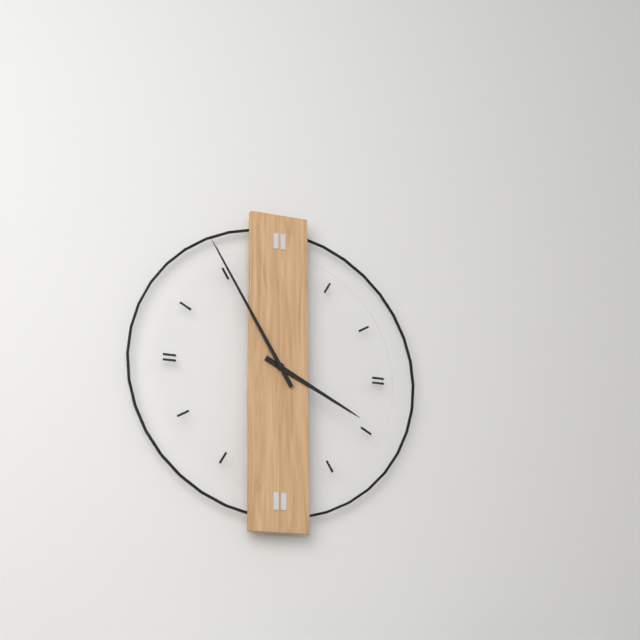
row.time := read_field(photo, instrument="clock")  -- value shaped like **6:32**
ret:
**3:55**
